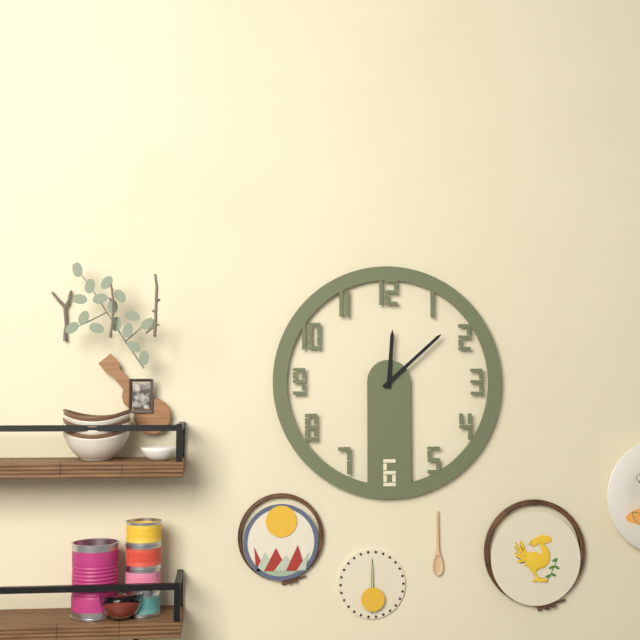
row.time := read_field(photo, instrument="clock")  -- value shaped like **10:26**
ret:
**12:08**
